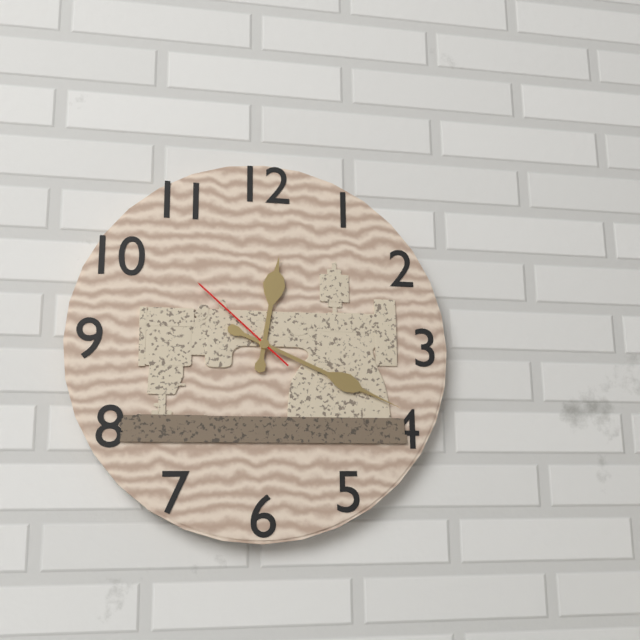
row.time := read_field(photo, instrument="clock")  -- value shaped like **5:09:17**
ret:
**12:19:52**
